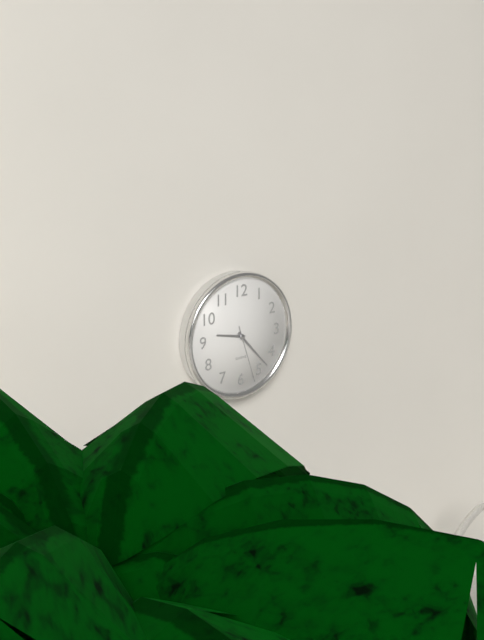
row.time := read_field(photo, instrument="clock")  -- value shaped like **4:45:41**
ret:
**9:23:27**
